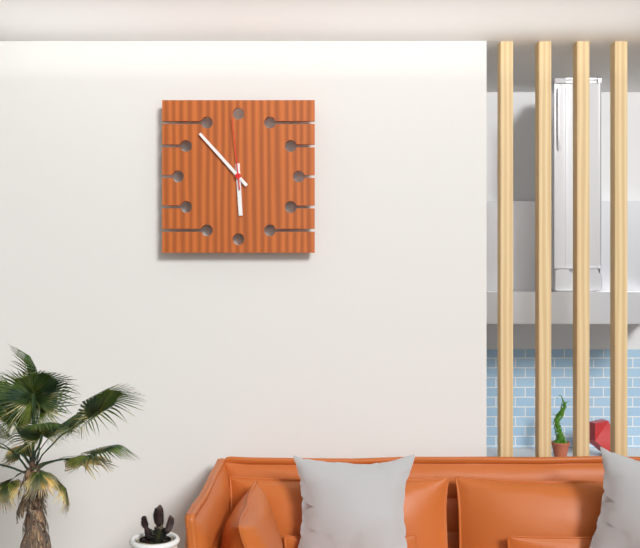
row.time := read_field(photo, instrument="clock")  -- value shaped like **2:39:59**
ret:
**5:53:59**
